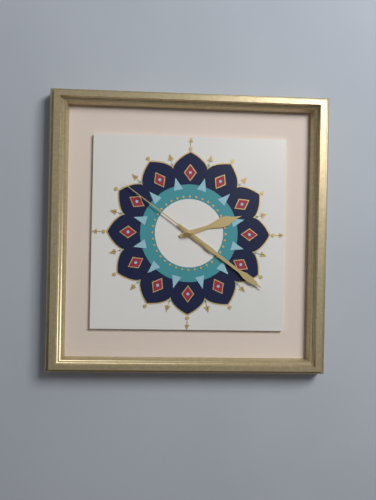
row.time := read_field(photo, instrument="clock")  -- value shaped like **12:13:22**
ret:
**2:21:51**
